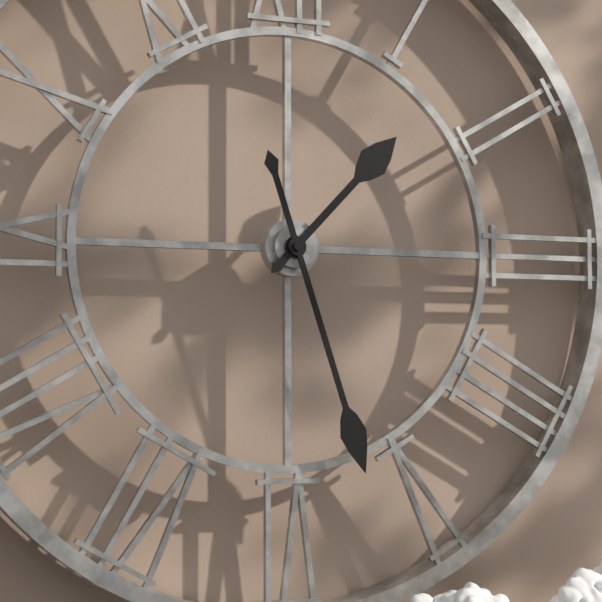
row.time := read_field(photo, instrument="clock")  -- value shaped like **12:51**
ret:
**1:27**
